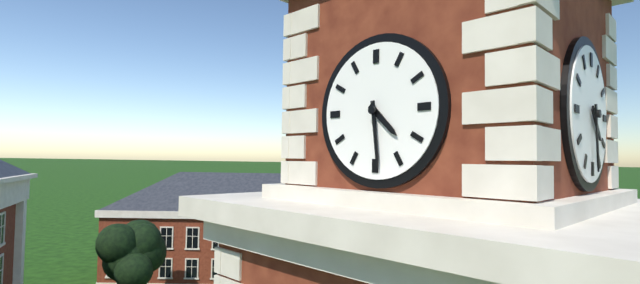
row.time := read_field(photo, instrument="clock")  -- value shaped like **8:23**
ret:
**4:29**
